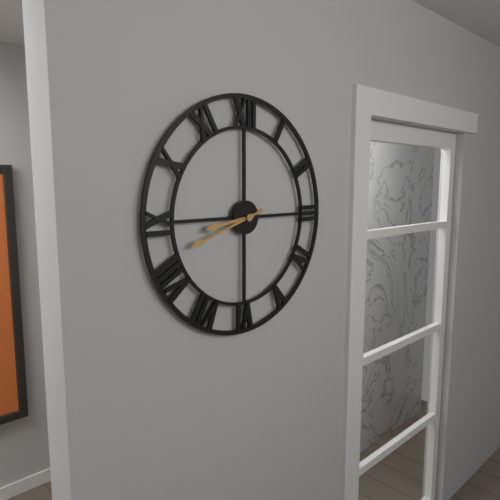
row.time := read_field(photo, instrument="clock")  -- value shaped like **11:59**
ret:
**8:42**
